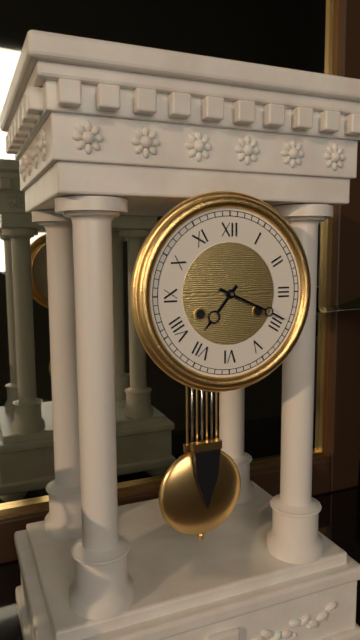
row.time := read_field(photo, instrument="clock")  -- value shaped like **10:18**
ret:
**7:19**
